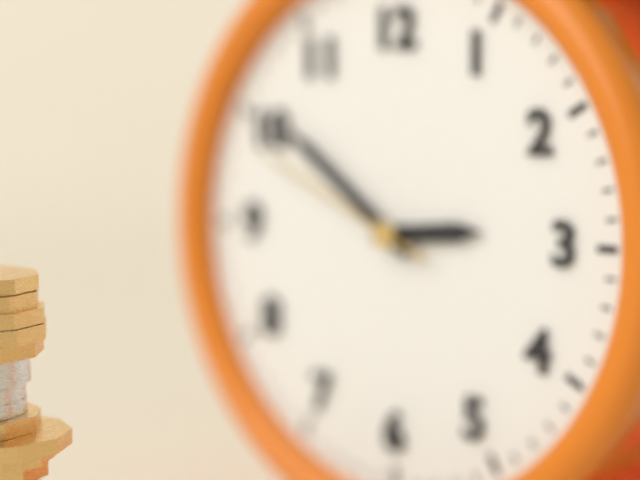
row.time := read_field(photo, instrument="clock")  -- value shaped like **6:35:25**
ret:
**2:51:49**
